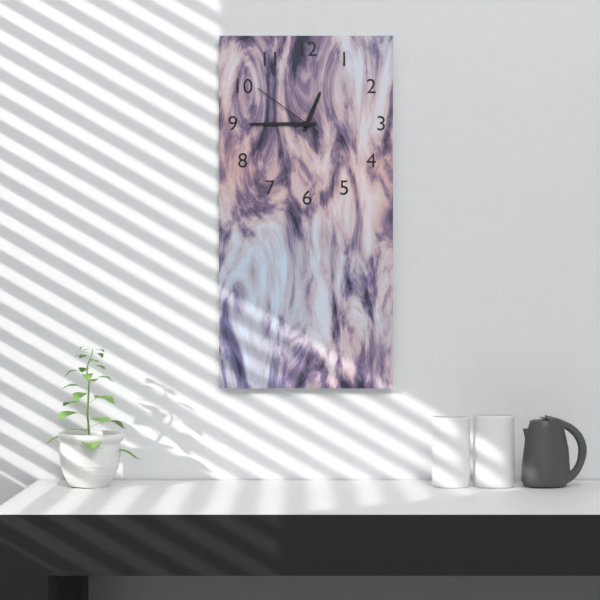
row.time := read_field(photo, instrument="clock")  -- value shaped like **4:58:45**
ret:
**12:45:51**
